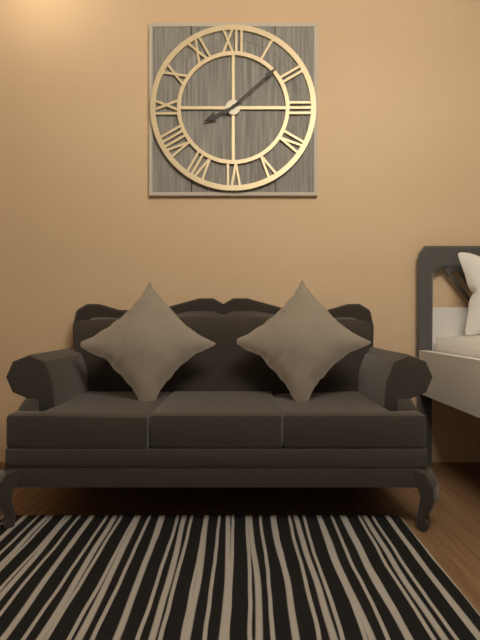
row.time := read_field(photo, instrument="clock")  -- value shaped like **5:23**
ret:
**8:08**
